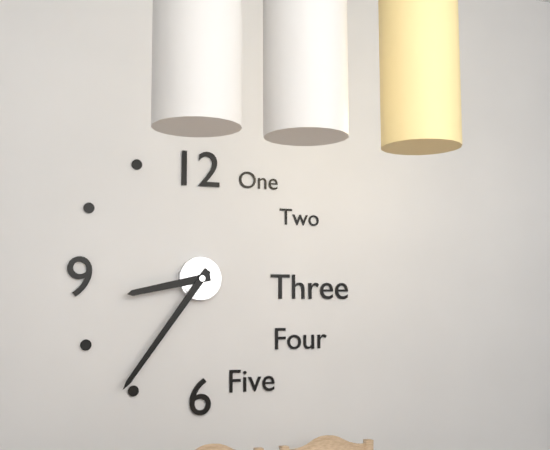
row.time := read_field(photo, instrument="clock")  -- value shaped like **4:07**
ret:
**8:36**
